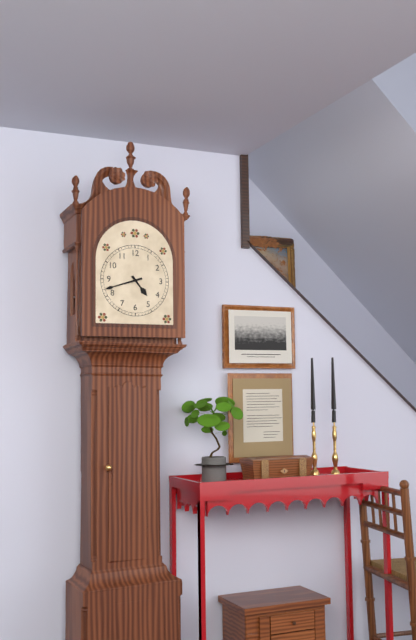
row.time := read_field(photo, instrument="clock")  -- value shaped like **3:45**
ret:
**4:42**
